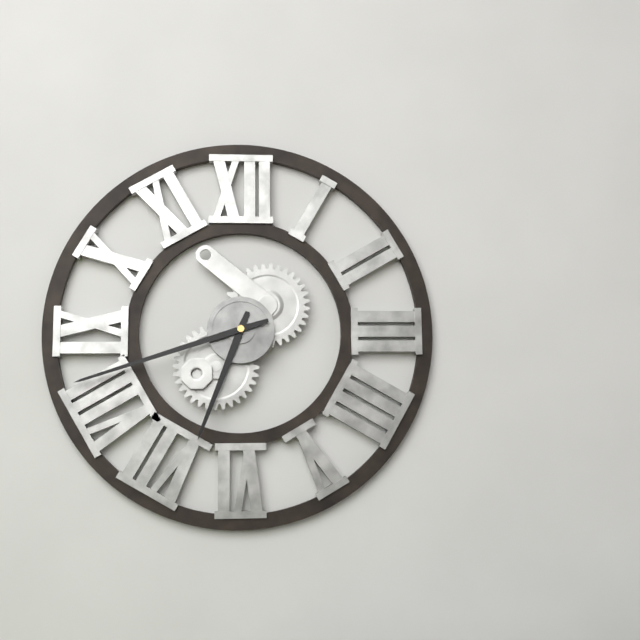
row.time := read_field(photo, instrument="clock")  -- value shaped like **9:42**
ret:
**6:42**
